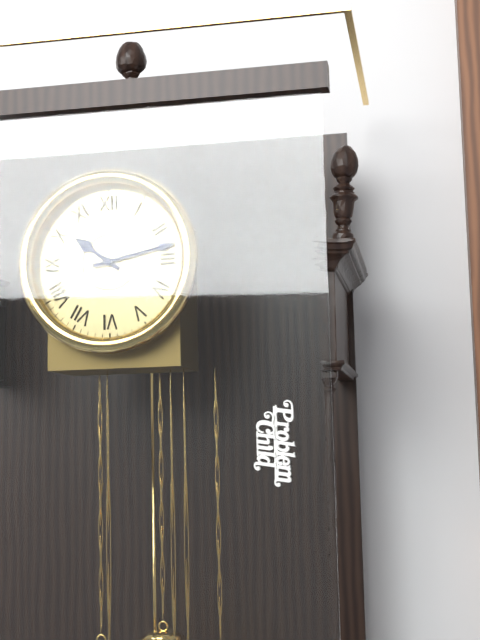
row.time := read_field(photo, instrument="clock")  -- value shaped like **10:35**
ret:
**10:13**
